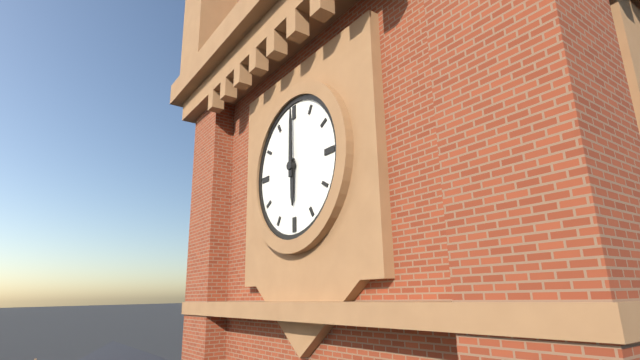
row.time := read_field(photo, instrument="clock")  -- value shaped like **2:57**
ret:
**6:00**
